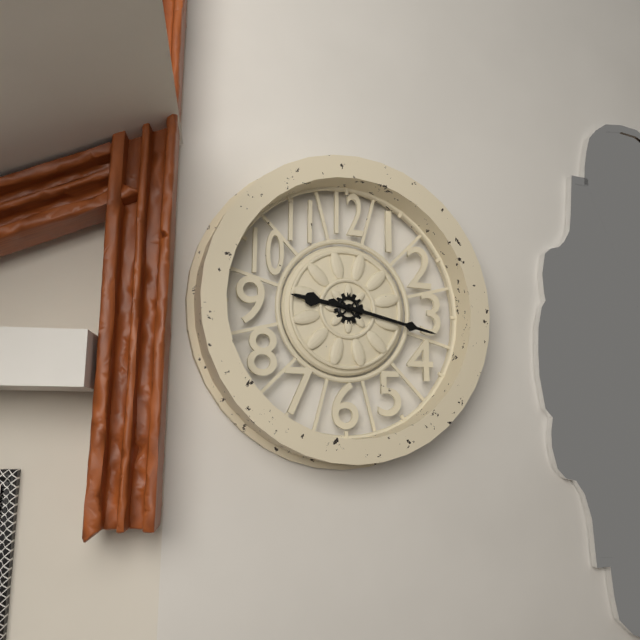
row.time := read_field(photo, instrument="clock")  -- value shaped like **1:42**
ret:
**9:17**
